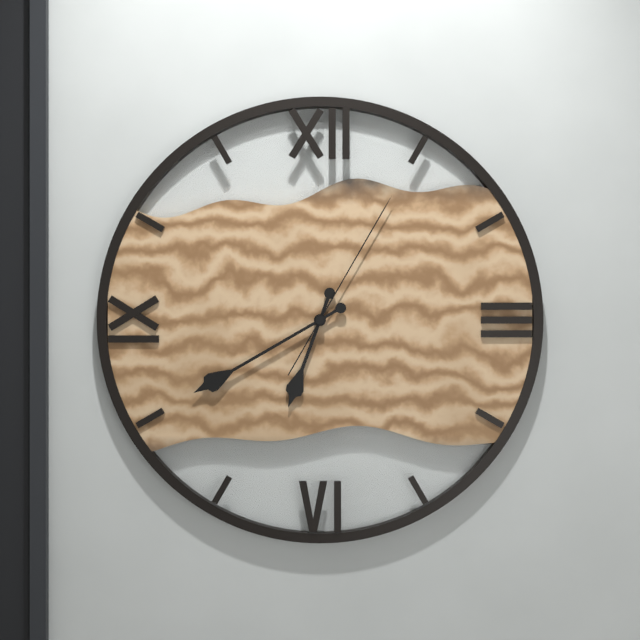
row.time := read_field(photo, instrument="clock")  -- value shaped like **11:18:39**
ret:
**6:40:05**
